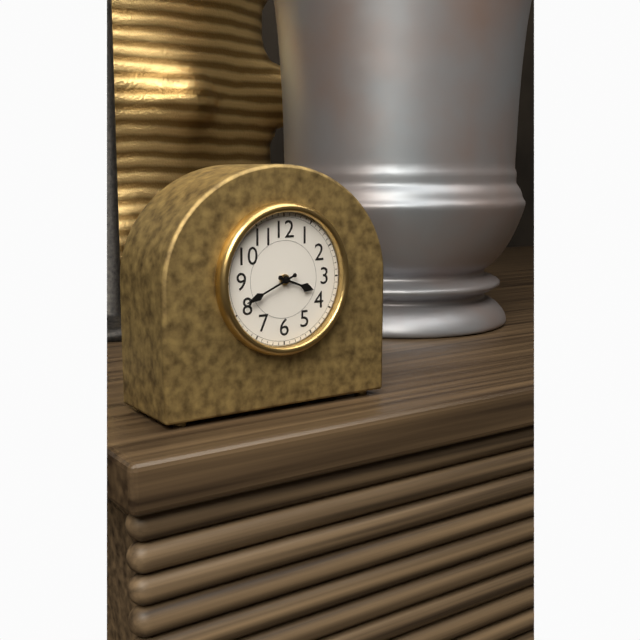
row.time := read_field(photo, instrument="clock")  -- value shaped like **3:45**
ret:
**3:41**
